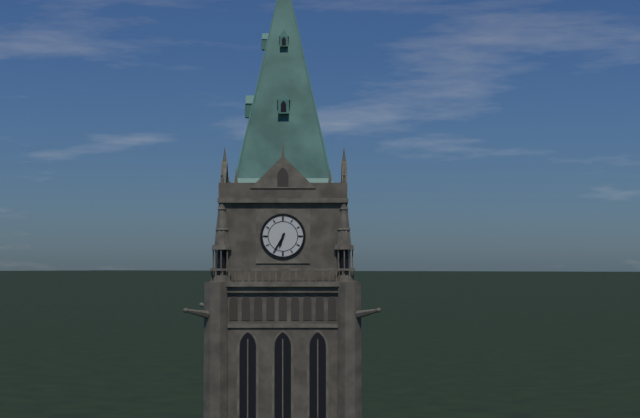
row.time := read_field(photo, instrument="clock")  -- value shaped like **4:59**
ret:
**6:35**
